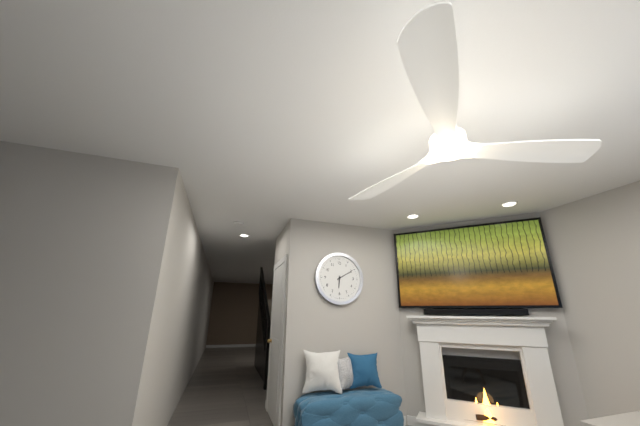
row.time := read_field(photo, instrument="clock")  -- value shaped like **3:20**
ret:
**6:10**
